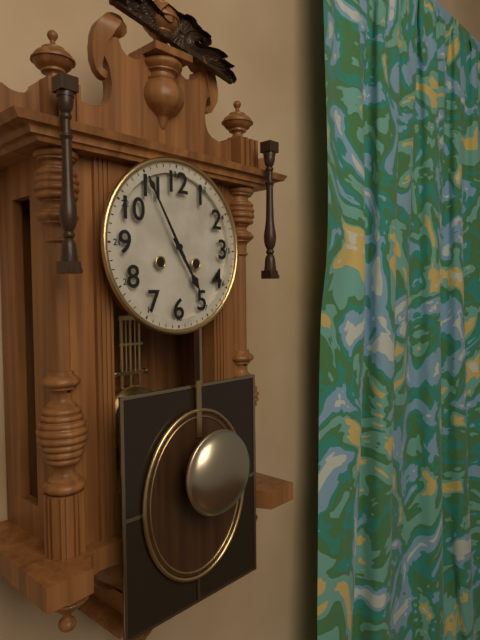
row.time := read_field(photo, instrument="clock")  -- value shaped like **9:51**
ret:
**4:55**
